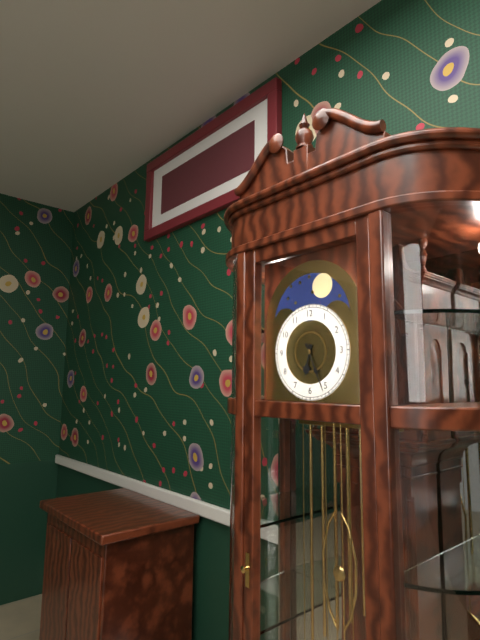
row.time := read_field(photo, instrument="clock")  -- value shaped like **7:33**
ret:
**6:26**
